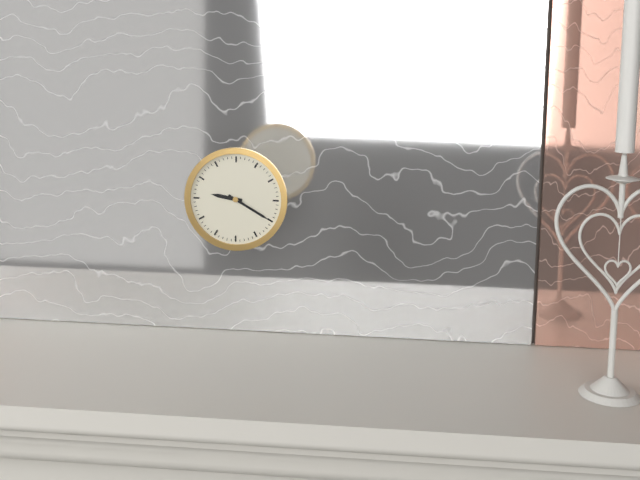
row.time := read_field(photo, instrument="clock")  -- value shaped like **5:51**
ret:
**9:20**
